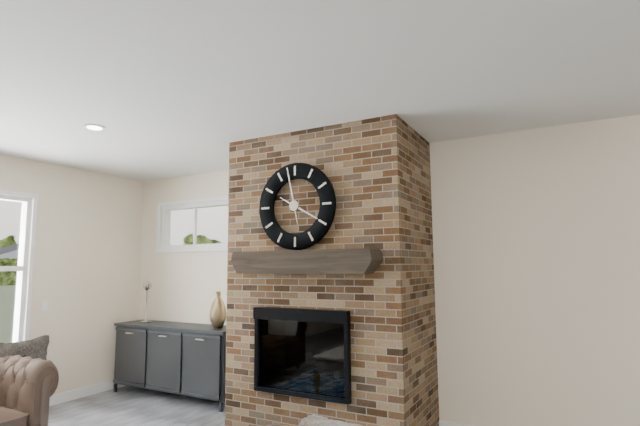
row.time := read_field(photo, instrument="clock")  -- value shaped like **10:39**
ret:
**3:58**
